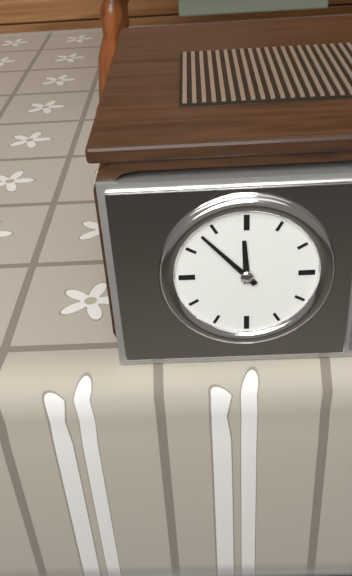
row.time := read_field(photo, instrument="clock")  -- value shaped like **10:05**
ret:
**11:53**
